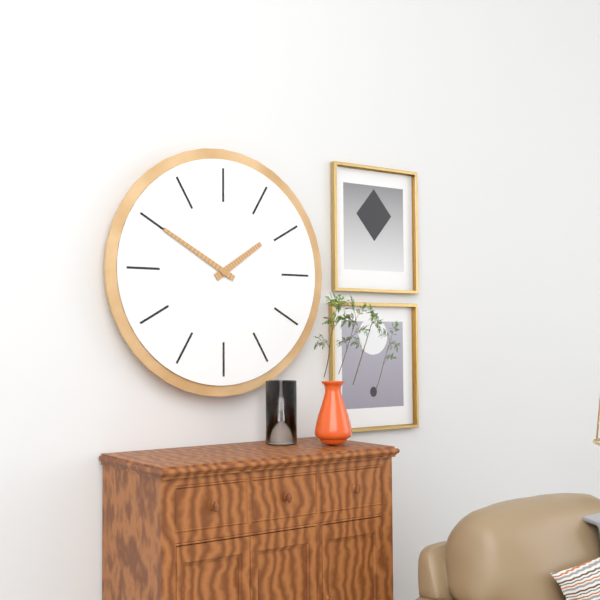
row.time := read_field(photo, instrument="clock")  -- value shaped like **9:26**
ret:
**1:50**
